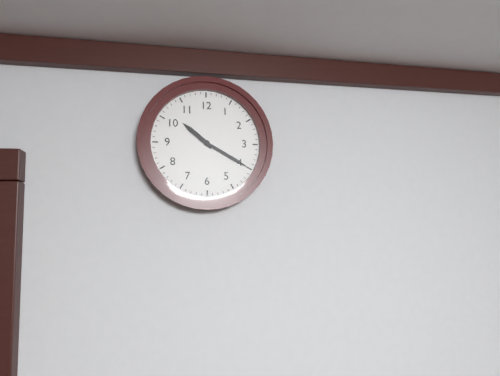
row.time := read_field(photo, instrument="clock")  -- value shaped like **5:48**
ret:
**10:20**
